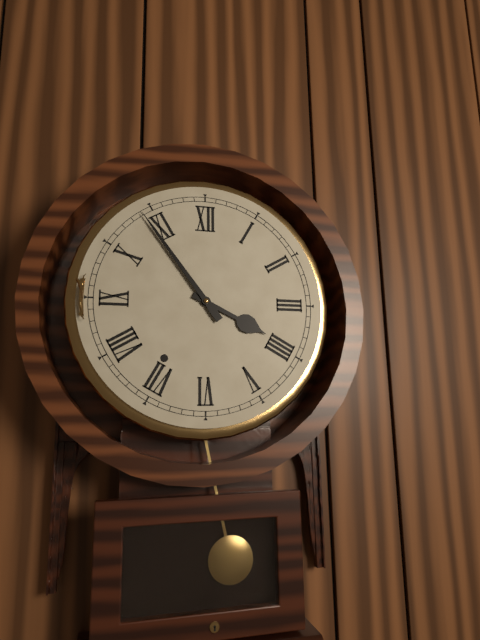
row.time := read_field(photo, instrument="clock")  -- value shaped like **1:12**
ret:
**3:54**
